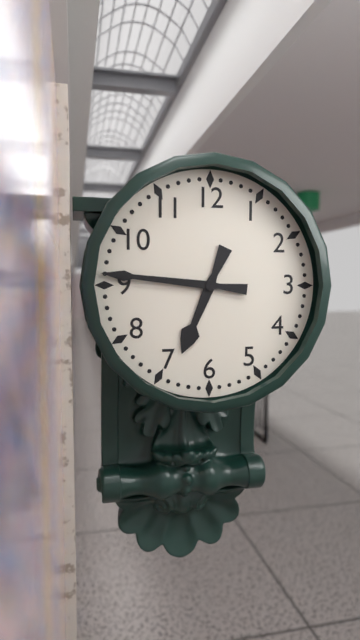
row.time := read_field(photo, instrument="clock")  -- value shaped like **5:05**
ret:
**6:46**
